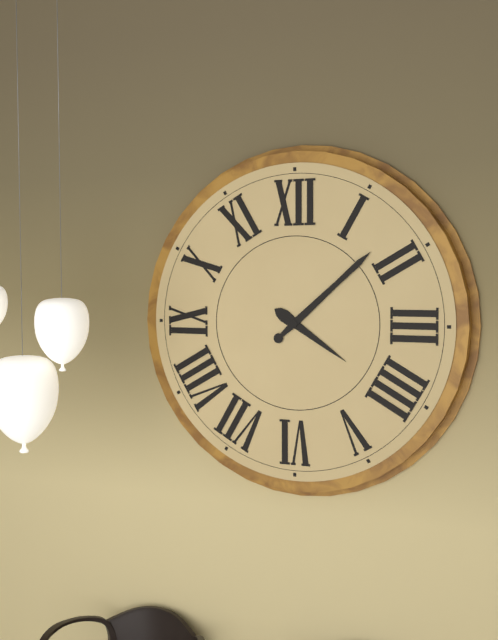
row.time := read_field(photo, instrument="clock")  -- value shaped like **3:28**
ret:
**4:08**
